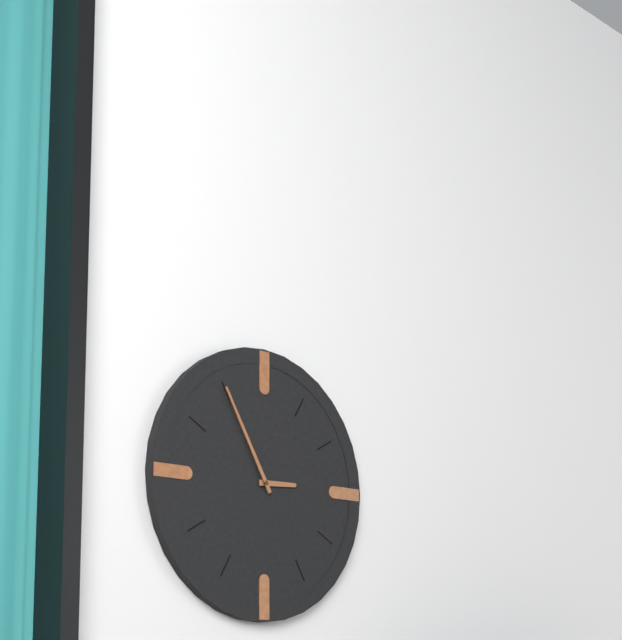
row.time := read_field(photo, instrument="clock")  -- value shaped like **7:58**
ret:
**2:55**
